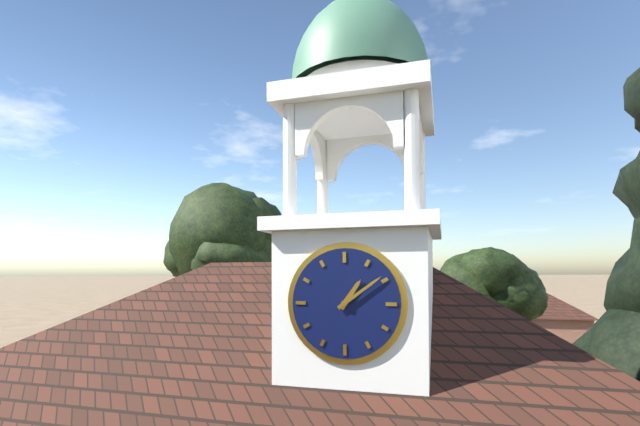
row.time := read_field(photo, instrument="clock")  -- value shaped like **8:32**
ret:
**1:09**
